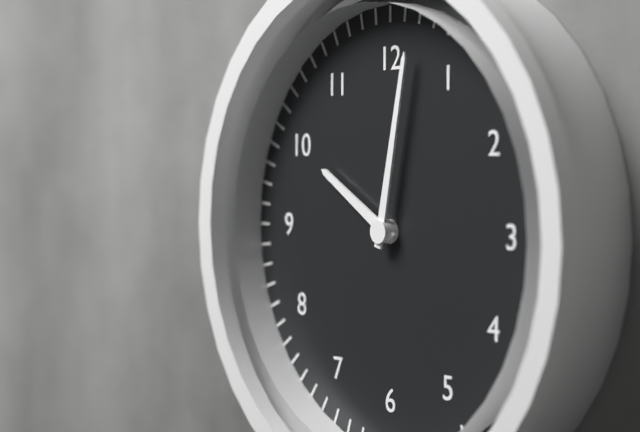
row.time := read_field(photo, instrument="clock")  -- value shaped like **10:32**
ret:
**10:02**
